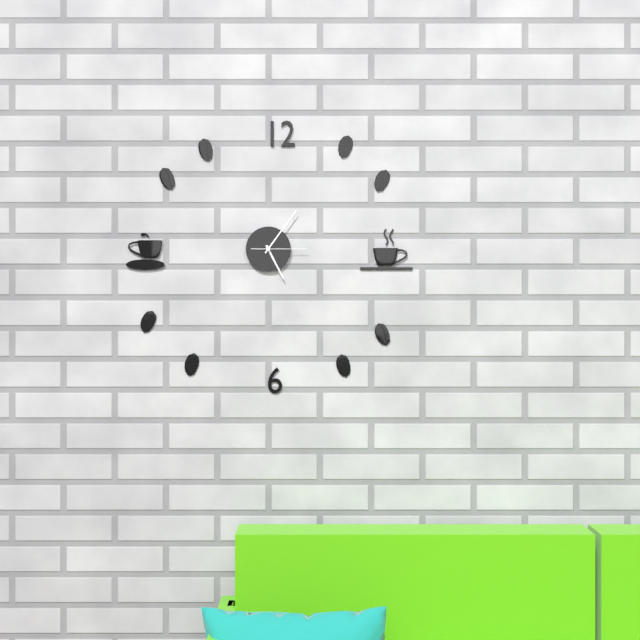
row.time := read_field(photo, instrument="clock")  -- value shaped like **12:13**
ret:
**5:06**
